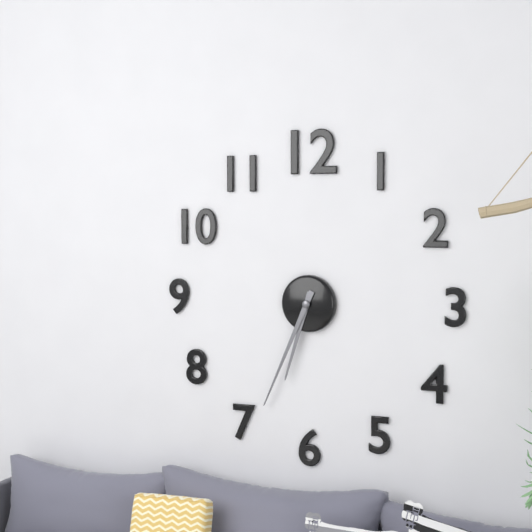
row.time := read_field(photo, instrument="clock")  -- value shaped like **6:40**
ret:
**6:34**
